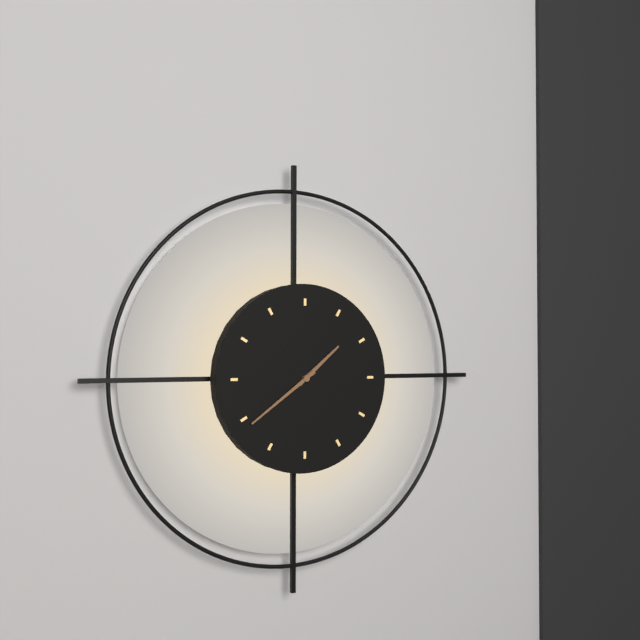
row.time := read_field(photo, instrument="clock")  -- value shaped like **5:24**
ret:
**1:39**
